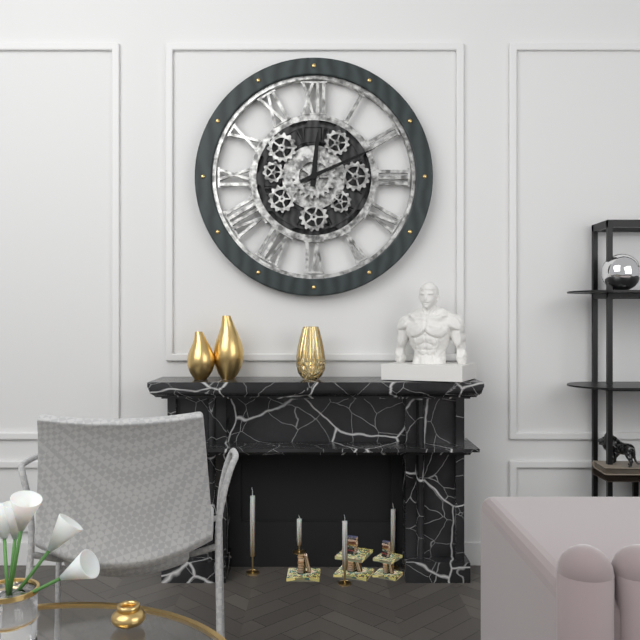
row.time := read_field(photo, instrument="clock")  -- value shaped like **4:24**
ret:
**12:11**
